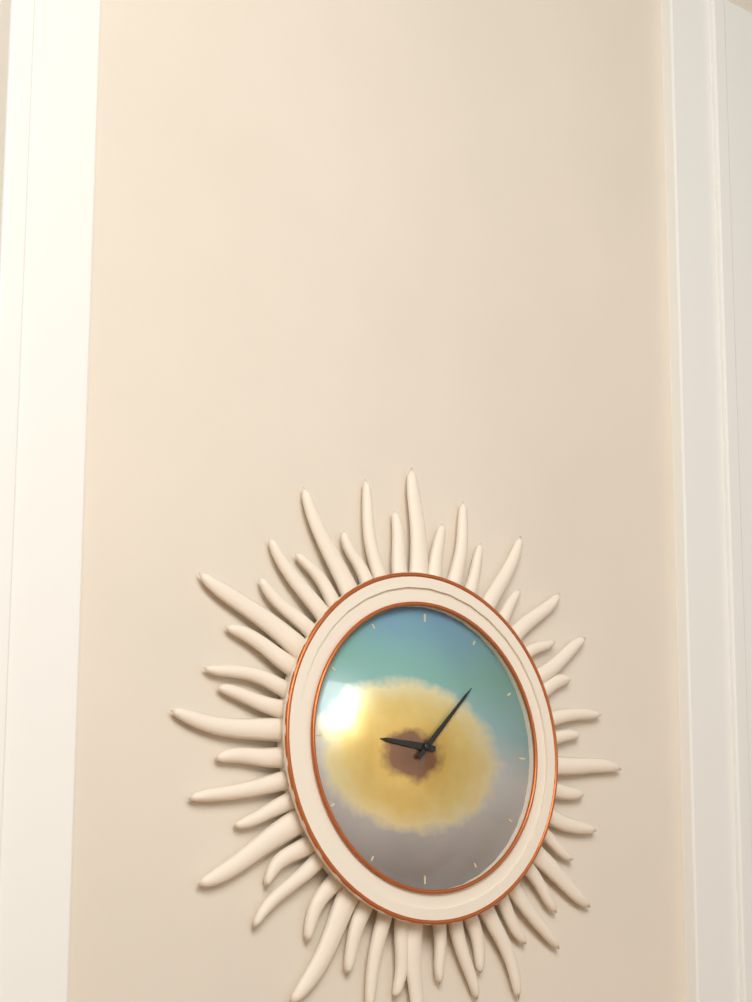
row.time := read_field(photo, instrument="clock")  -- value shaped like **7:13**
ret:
**9:07**
